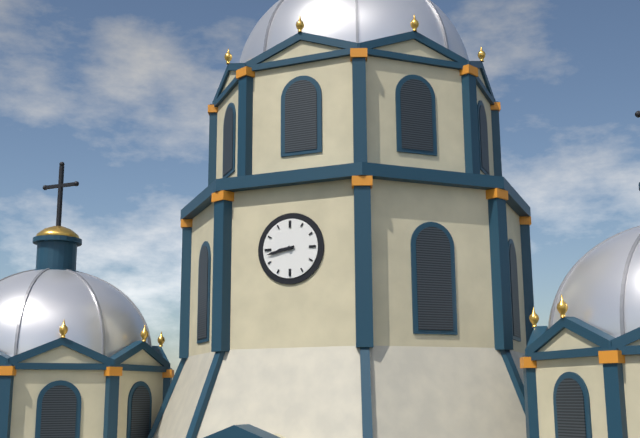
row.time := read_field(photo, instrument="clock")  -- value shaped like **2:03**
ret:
**8:43**
